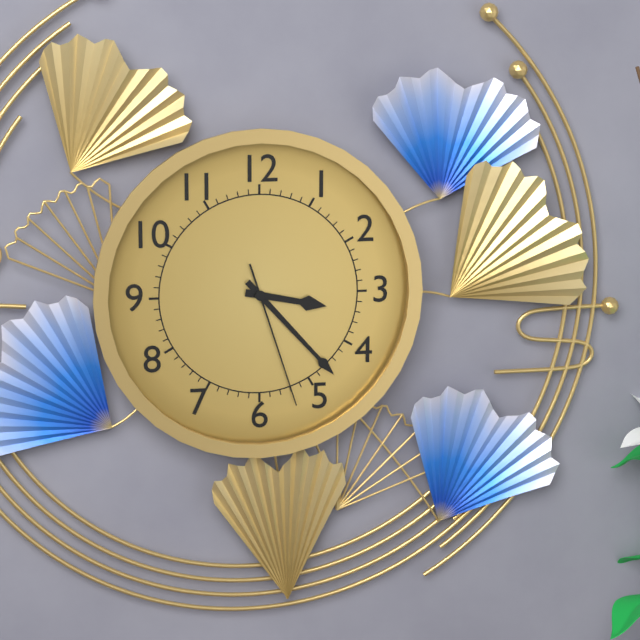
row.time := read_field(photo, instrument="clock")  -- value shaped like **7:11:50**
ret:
**3:23:27**
